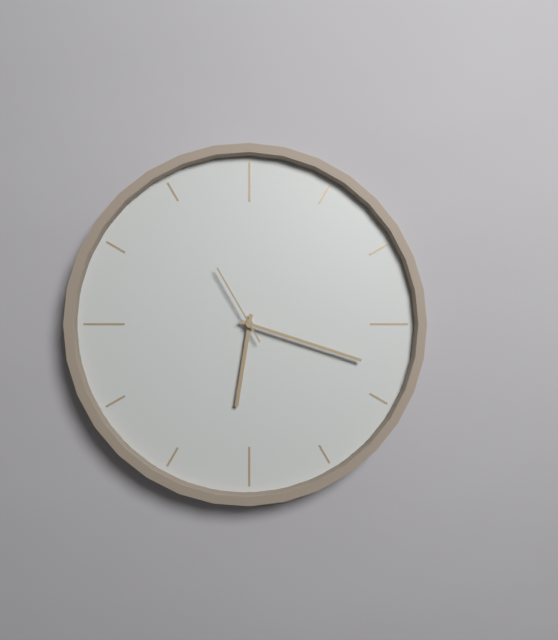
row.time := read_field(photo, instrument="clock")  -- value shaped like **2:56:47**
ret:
**6:18:55**
